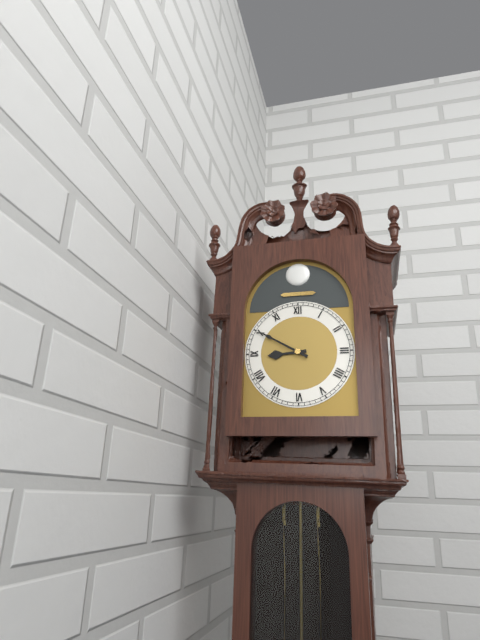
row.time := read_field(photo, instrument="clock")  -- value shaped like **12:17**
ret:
**8:50**
